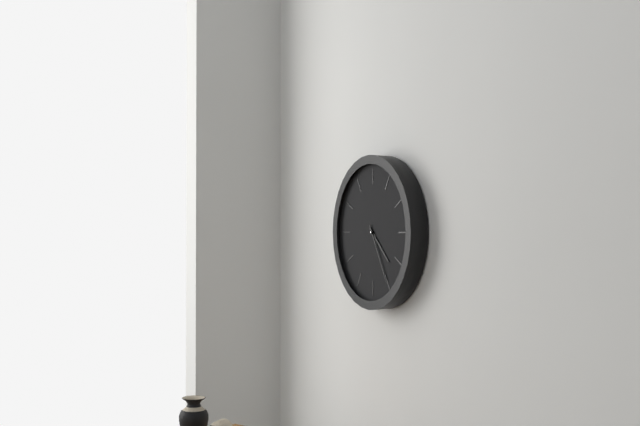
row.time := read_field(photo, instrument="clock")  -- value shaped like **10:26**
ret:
**4:25**
